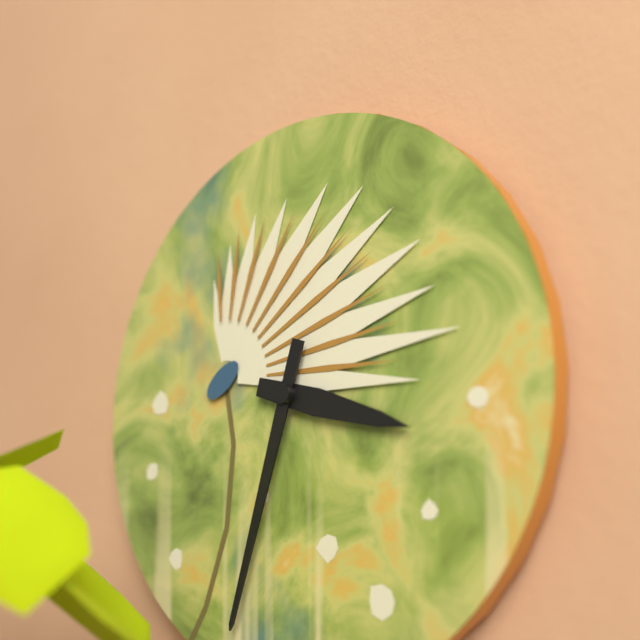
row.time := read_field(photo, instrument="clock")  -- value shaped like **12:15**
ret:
**3:33**
